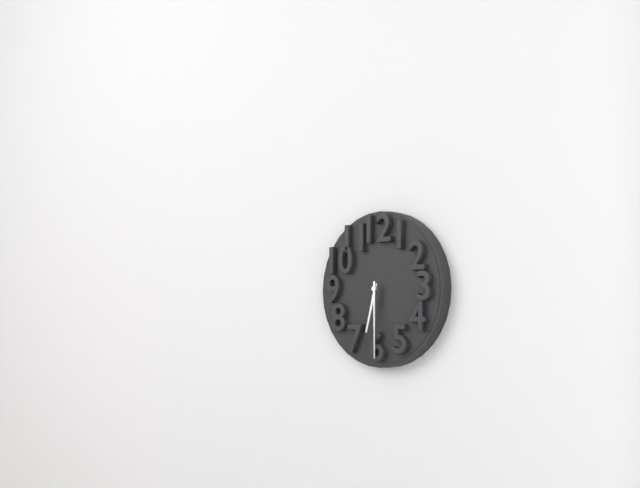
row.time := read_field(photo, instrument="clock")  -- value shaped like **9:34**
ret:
**6:30**
